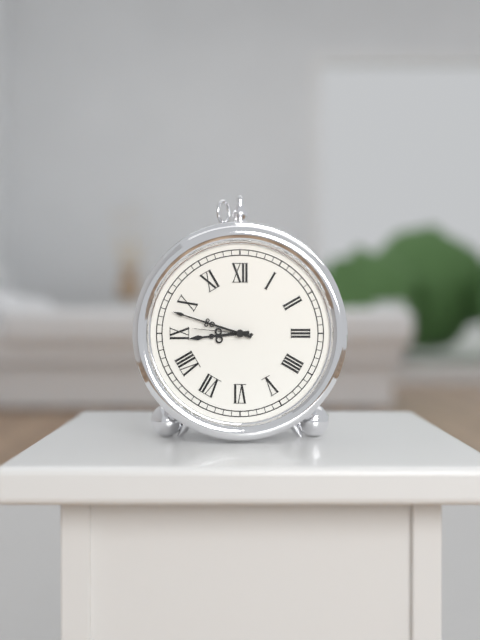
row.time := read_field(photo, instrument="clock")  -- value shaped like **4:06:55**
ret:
**8:48:46**
